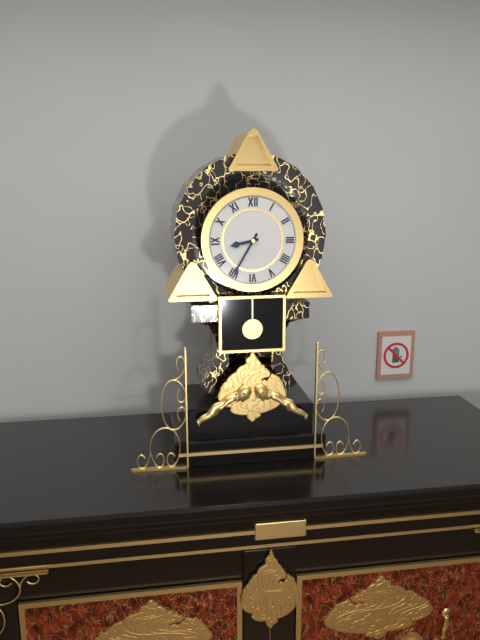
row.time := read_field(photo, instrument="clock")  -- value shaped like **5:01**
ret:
**8:35**
